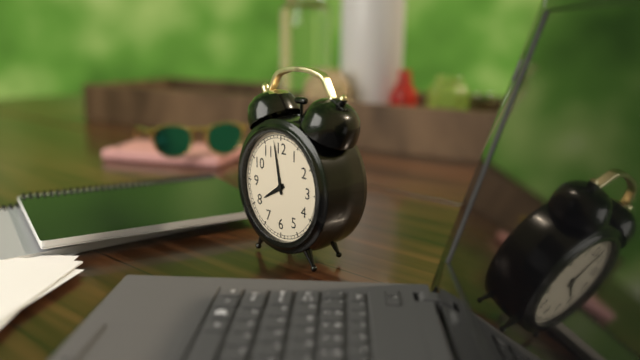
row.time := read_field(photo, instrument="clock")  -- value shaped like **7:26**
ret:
**7:58**
